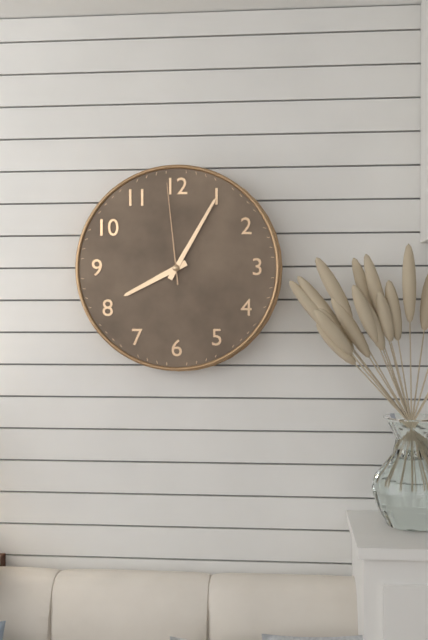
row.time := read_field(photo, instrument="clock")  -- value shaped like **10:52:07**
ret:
**8:05:59**
